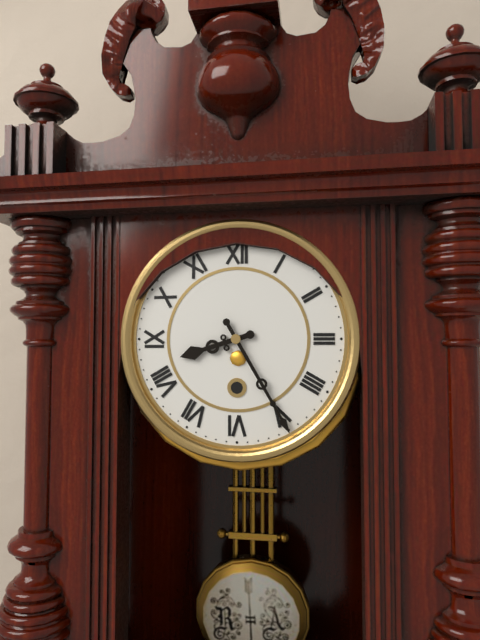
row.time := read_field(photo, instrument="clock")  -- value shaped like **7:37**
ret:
**8:25**
